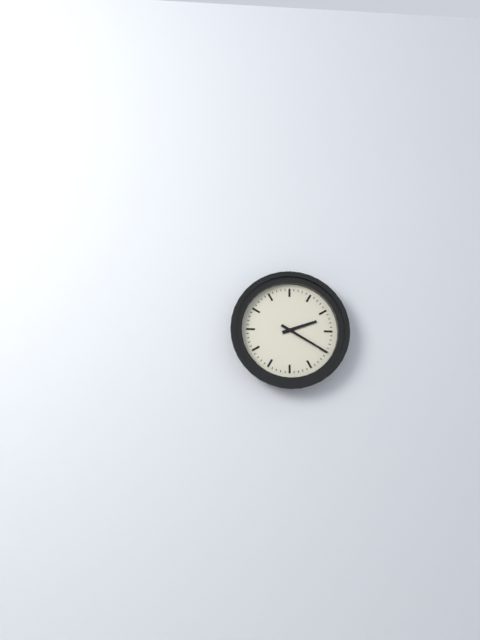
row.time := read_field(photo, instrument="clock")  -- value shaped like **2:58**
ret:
**2:20**
